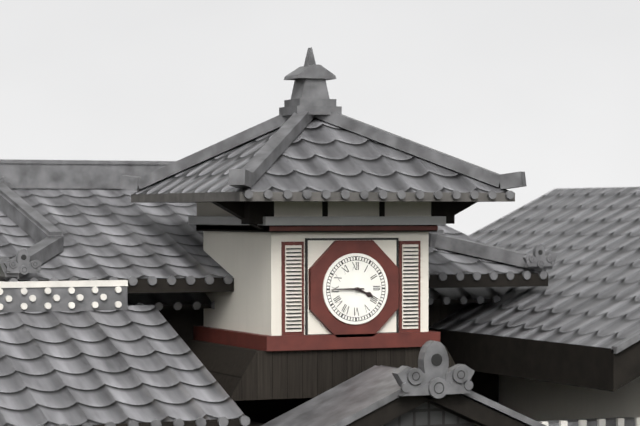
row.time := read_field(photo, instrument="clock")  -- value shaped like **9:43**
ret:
**3:45**
